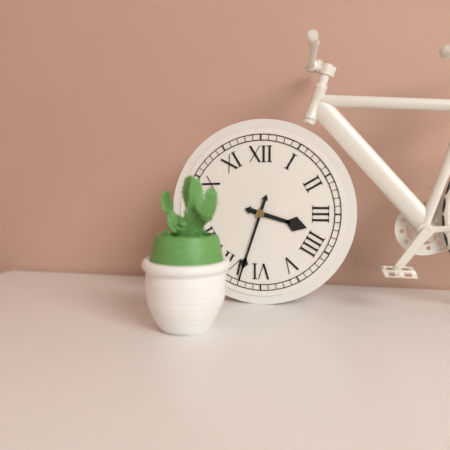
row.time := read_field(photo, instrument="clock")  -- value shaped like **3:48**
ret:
**3:33**
